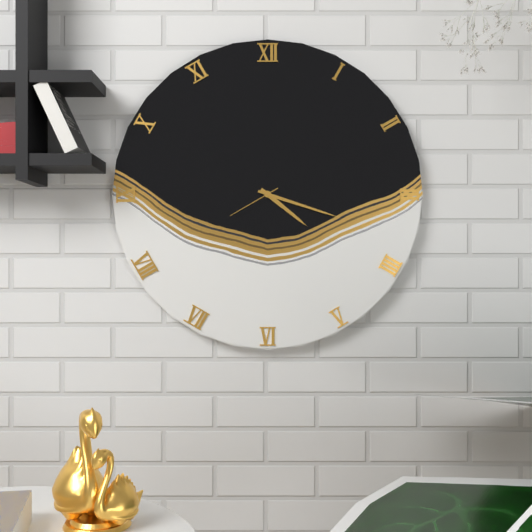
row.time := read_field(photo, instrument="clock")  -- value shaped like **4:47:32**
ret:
**4:18:40**
